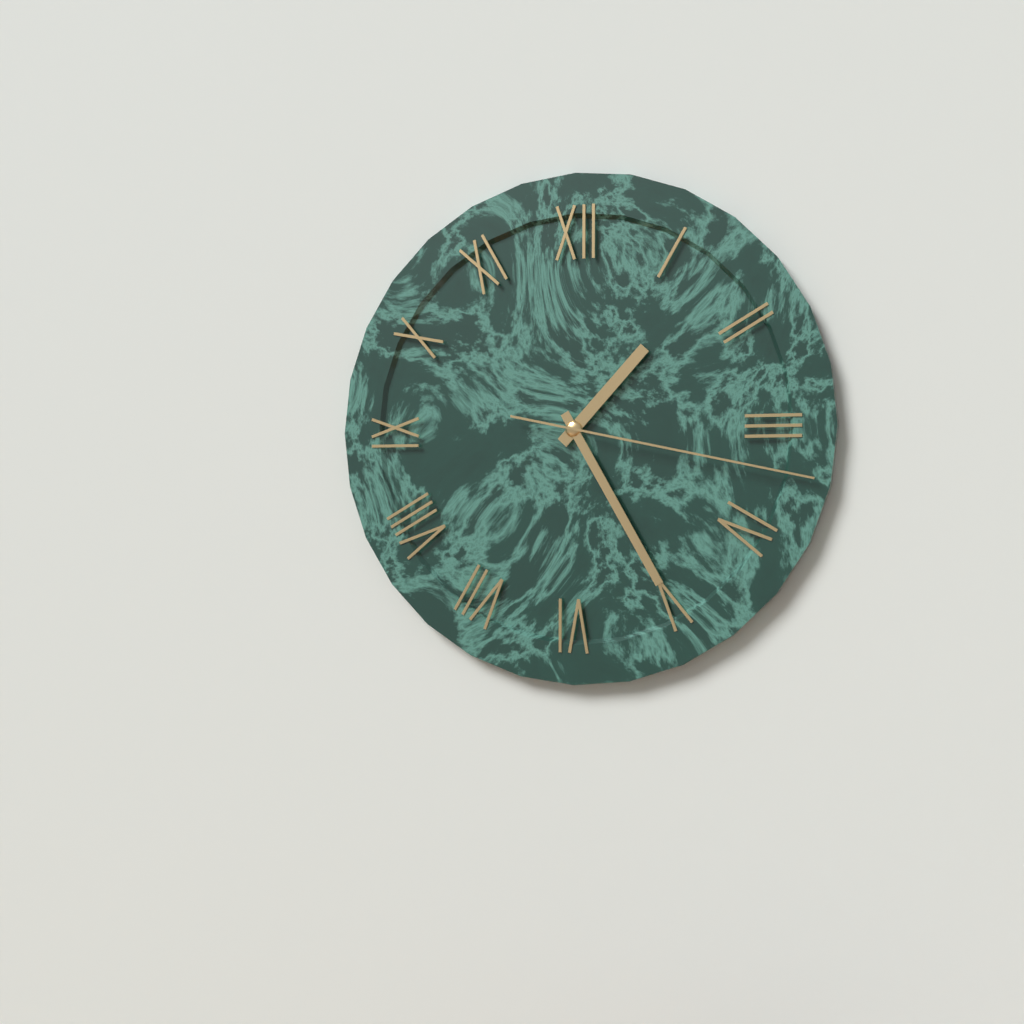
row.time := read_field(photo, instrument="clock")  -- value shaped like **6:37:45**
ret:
**1:25:17**
